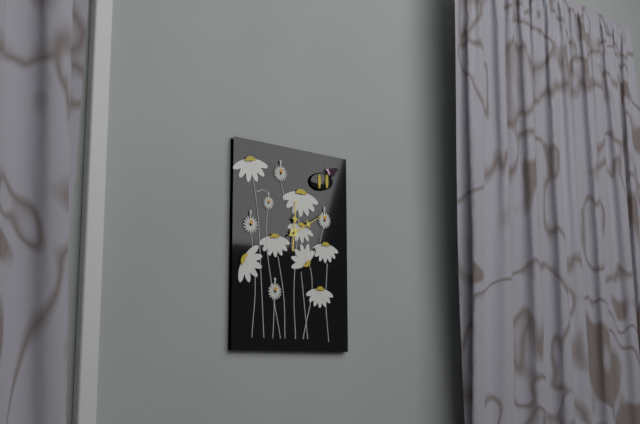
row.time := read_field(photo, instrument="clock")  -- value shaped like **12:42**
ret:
**12:10**
